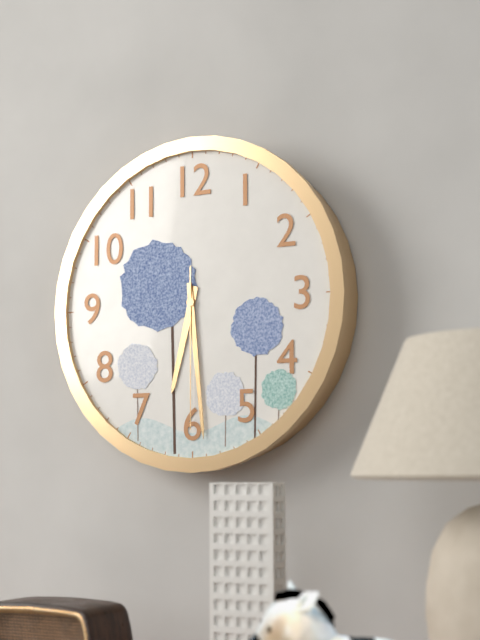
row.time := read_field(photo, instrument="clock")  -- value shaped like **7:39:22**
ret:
**6:29:30**
